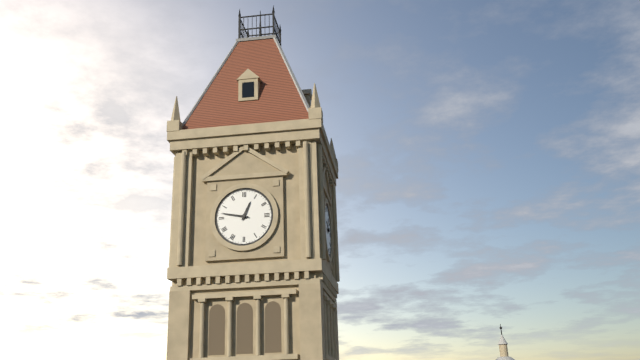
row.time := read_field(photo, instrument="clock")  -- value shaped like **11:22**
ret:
**12:47**
